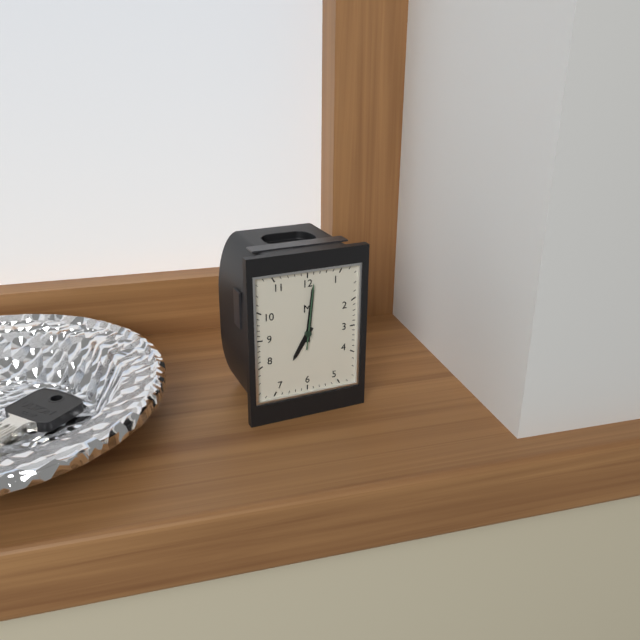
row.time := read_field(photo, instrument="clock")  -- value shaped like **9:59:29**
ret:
**7:01:01**
